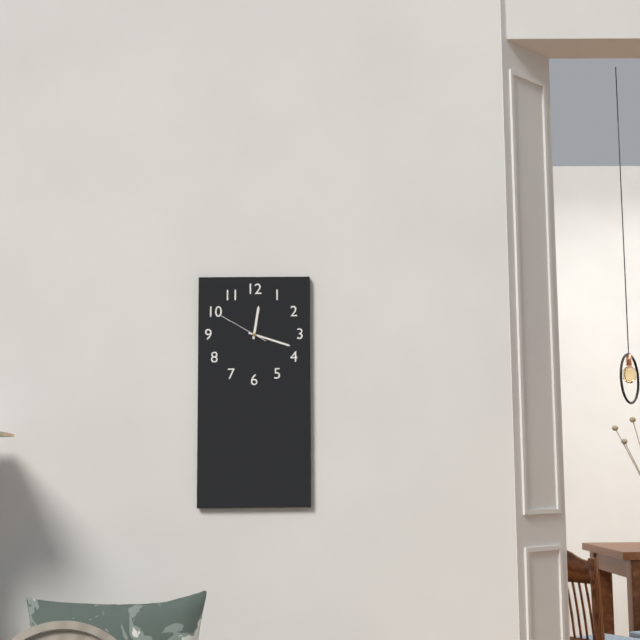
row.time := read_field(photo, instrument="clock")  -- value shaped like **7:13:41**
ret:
**12:18:50**
